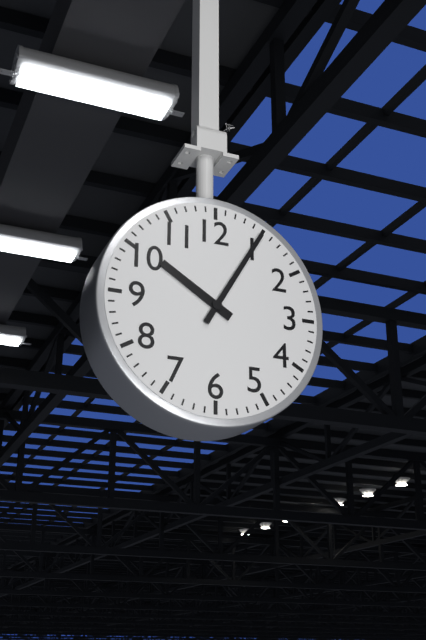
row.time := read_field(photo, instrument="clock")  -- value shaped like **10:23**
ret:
**10:05**
